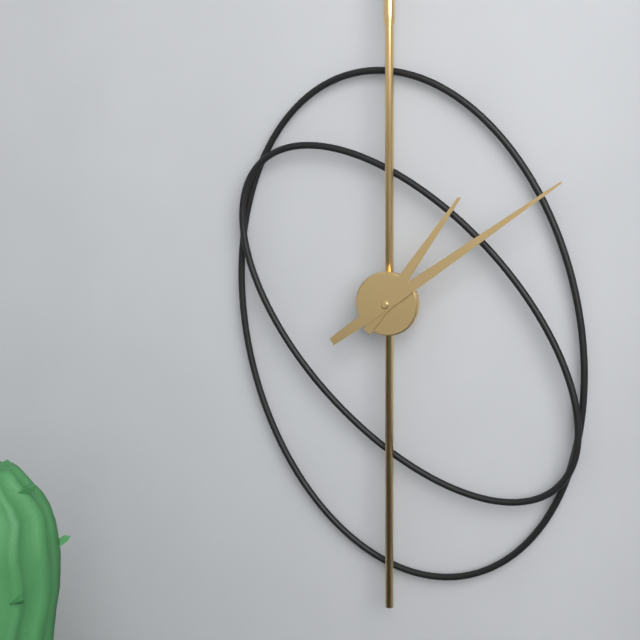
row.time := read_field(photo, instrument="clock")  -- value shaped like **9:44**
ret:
**1:09**
